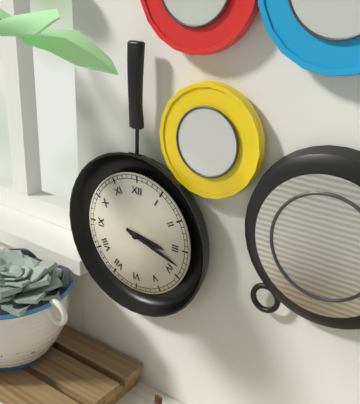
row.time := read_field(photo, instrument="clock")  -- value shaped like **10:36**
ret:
**3:18**
